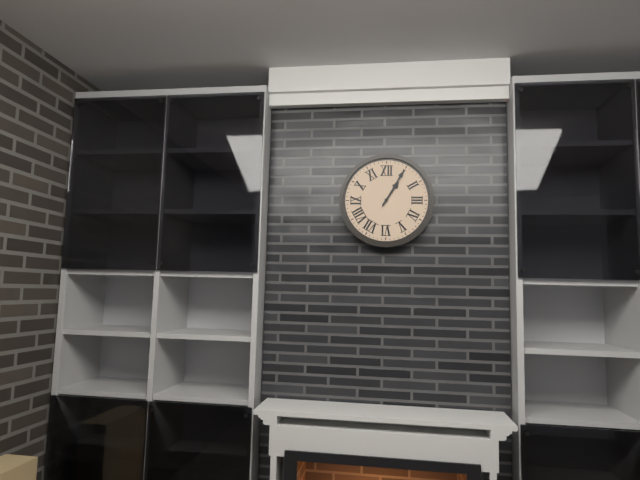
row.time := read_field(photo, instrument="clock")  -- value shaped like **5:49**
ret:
**1:05**
